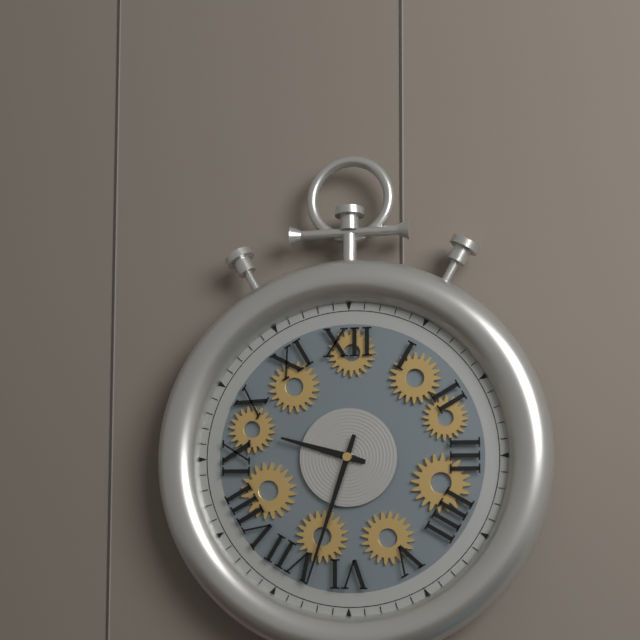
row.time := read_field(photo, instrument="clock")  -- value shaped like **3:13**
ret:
**9:33**
